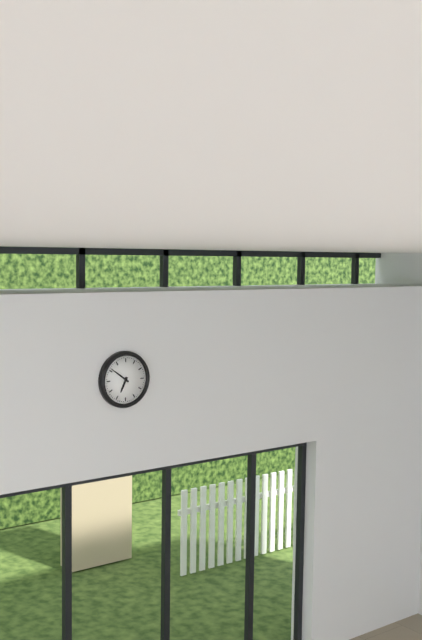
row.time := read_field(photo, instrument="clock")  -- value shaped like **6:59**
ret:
**6:51**
